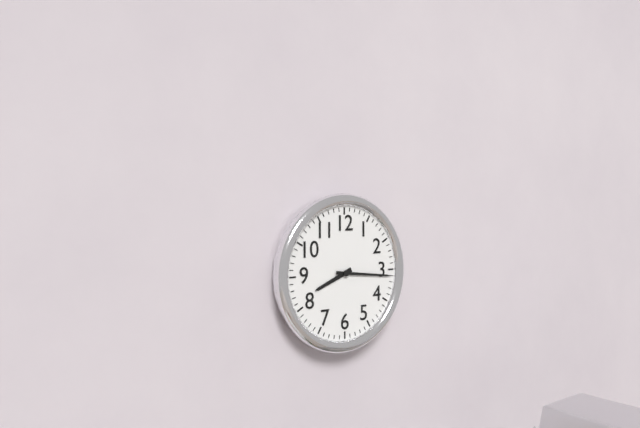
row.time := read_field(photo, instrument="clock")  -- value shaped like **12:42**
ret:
**8:16**
